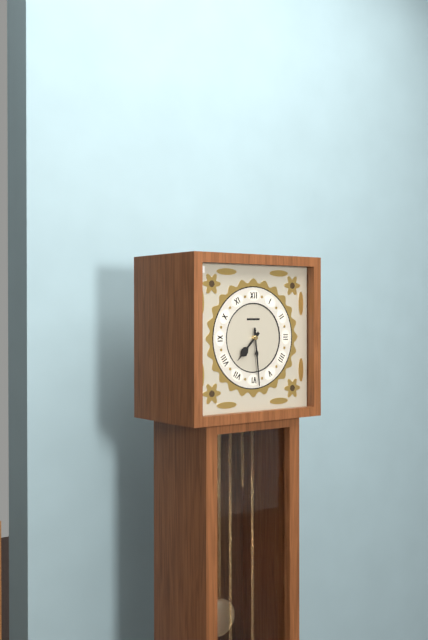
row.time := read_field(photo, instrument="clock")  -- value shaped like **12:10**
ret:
**7:29**
